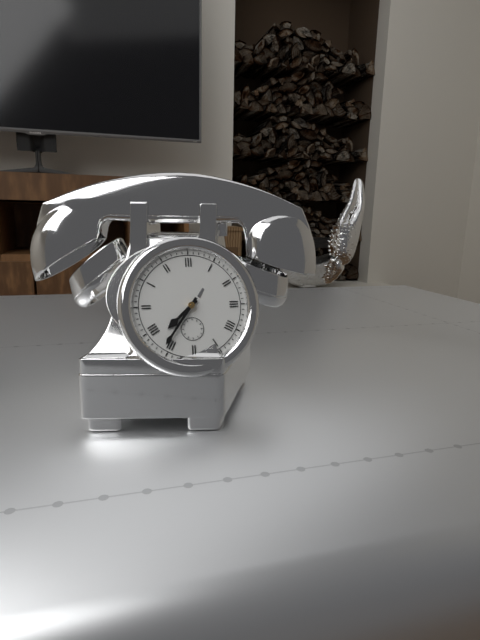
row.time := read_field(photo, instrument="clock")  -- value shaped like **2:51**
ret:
**7:36**
